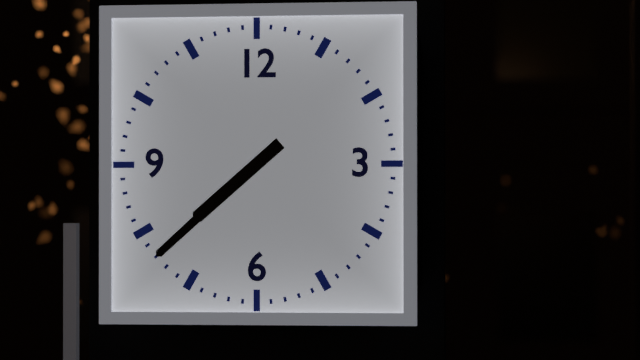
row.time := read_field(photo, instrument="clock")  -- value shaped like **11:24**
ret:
**7:38**
